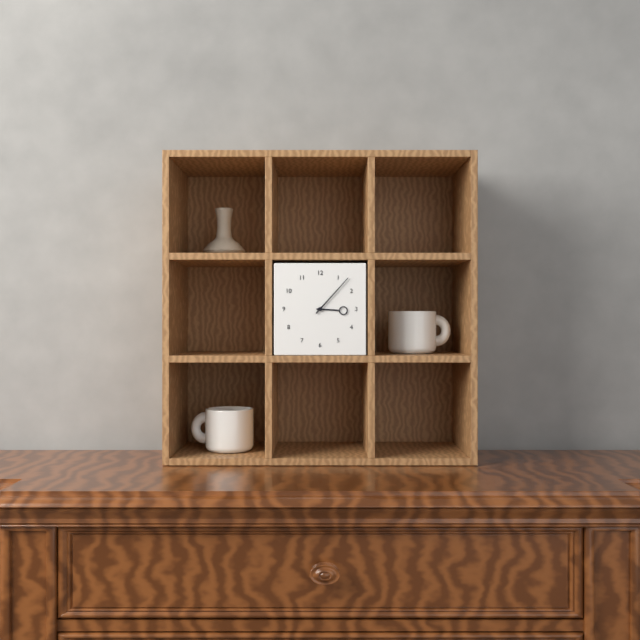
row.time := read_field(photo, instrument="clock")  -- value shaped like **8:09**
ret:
**3:07**
